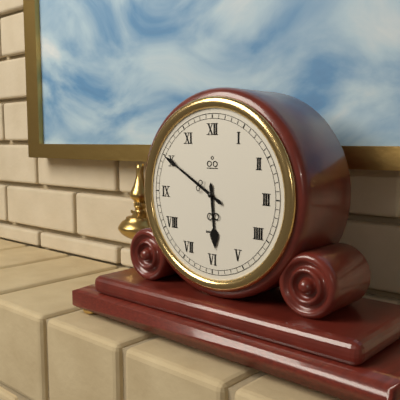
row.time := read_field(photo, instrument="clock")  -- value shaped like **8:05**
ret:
**5:50**
